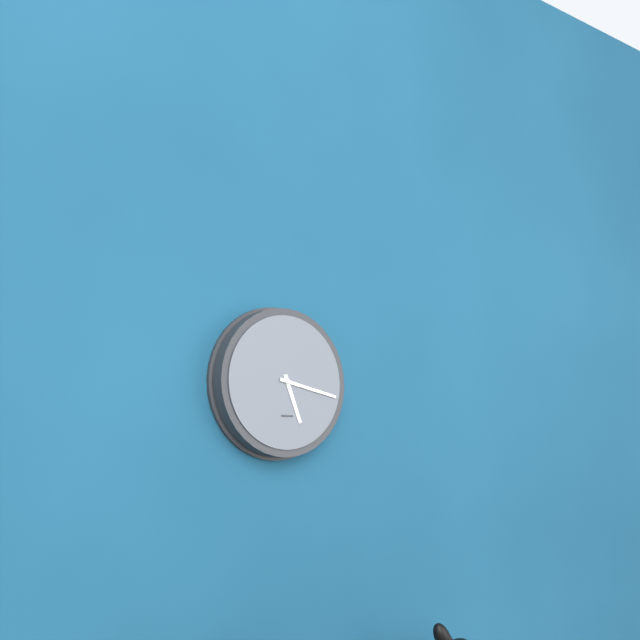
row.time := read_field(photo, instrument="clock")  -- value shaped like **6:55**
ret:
**5:17**
